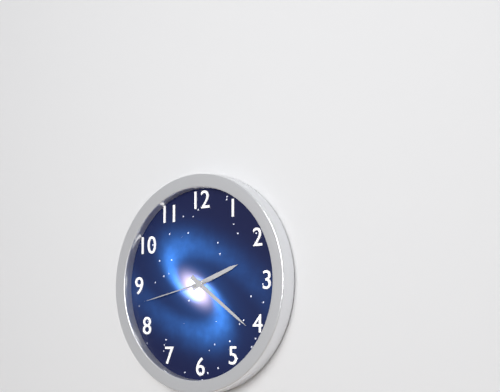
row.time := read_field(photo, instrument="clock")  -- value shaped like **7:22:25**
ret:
**2:21:43**
